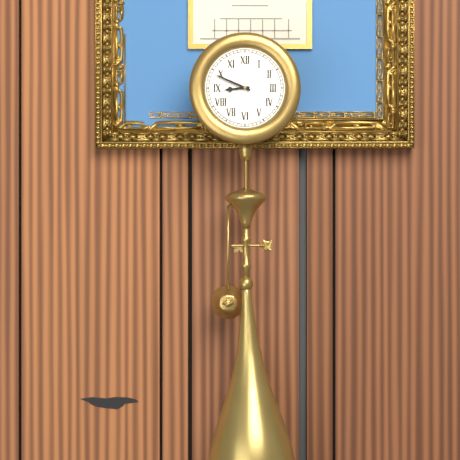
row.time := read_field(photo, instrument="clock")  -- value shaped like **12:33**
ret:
**8:49**
